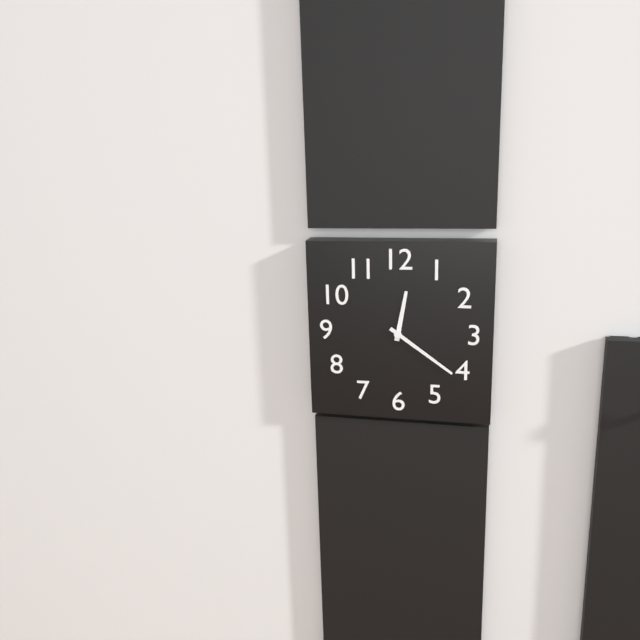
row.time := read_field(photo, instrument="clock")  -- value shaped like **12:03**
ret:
**12:21**
